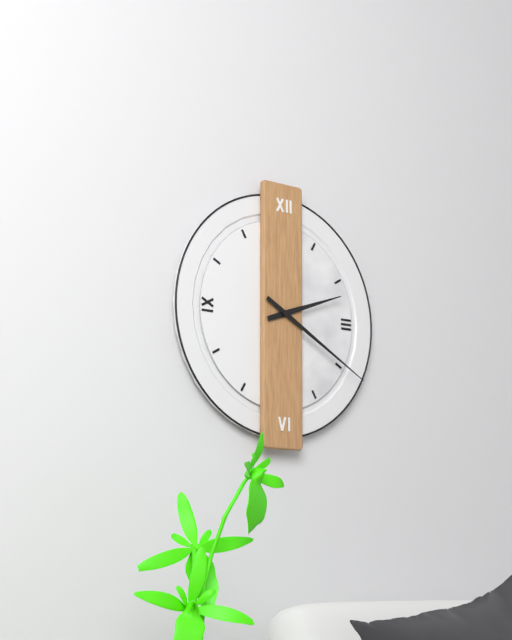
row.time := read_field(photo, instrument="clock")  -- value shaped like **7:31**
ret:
**2:20**
